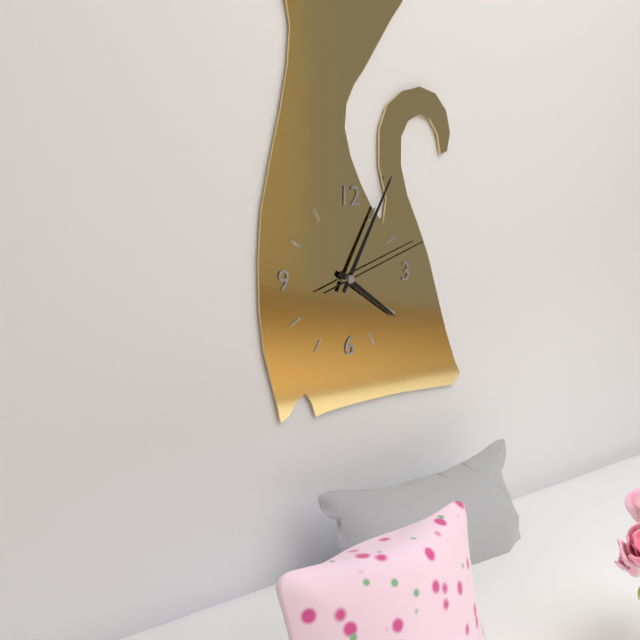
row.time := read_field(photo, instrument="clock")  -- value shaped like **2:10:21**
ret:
**4:05:12**
